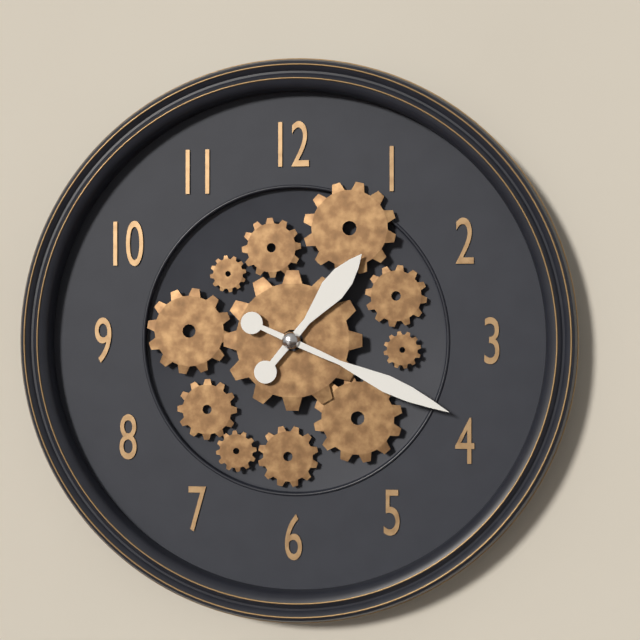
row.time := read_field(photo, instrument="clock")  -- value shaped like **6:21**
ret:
**1:19**
